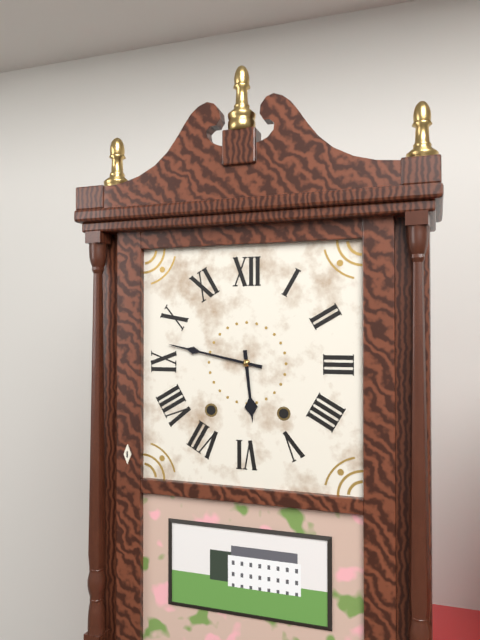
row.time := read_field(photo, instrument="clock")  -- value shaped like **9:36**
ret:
**5:47**
